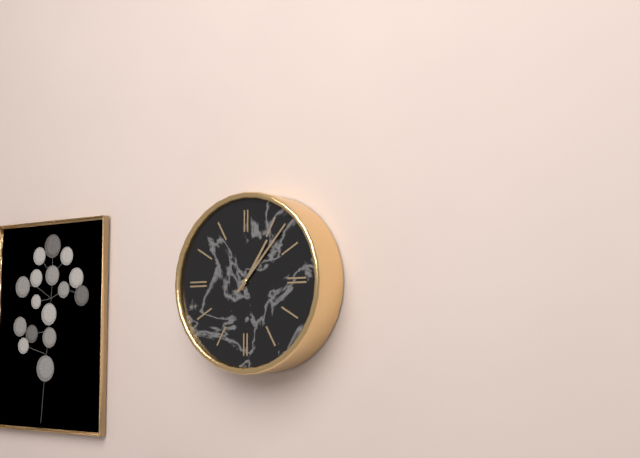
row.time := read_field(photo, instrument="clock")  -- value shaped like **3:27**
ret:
**1:07**
